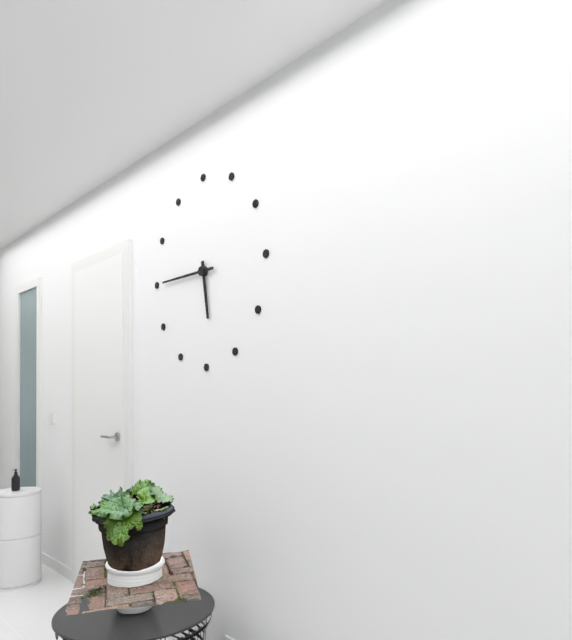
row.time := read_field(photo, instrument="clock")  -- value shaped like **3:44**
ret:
**5:45**
